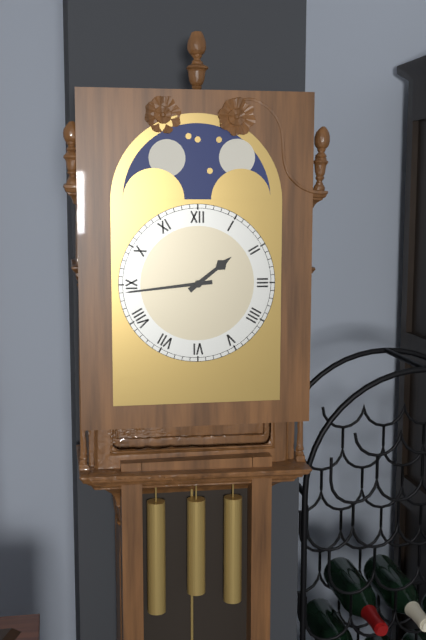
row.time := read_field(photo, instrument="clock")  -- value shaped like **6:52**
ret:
**1:44**
